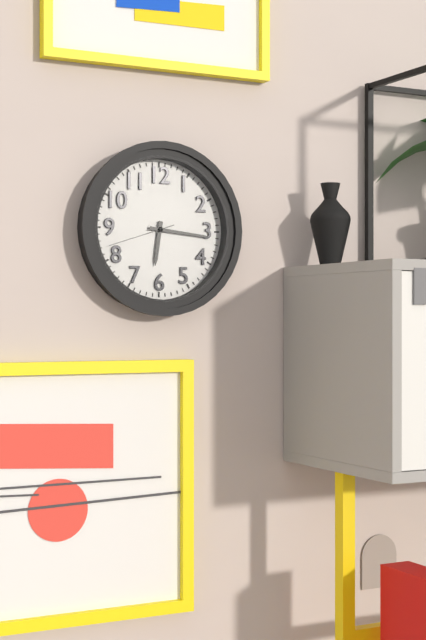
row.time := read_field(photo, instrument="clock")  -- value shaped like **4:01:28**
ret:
**6:16:42**
